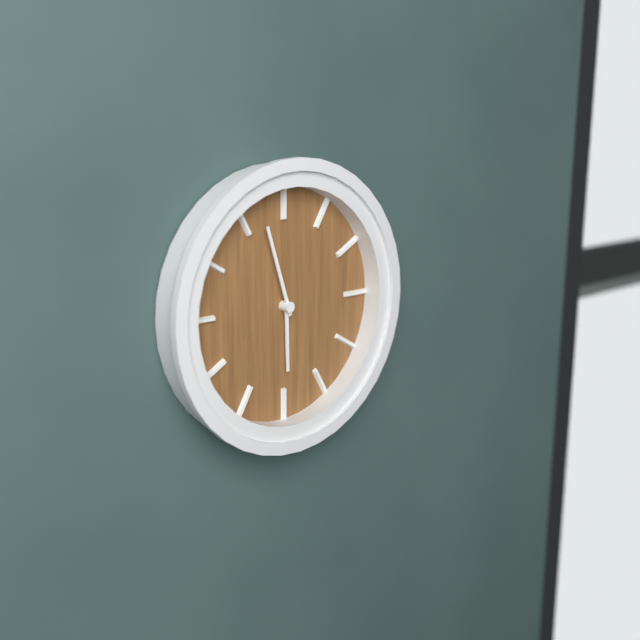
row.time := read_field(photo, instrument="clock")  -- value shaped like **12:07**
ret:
**5:57**
